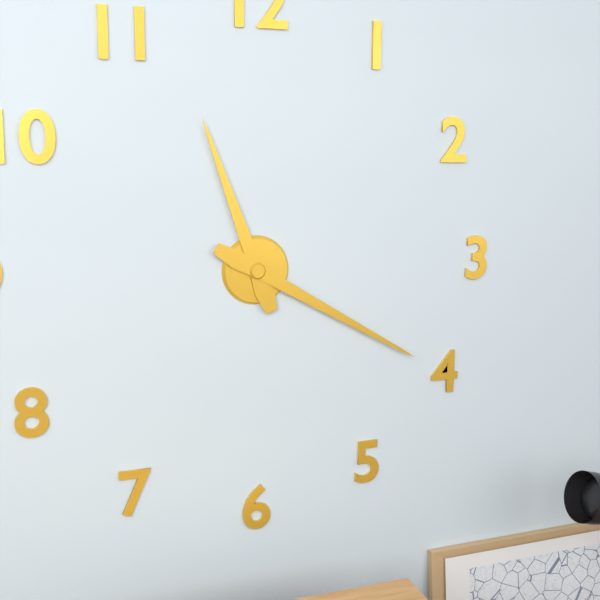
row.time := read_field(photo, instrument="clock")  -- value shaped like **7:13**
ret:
**11:20**
